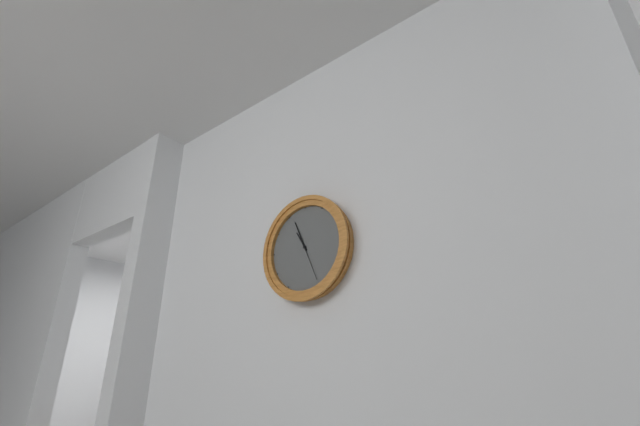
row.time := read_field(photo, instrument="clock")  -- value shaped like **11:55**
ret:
**10:56**
